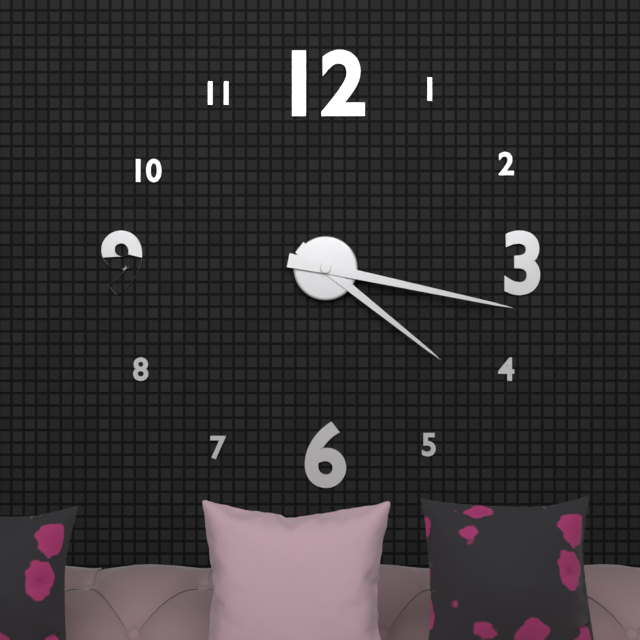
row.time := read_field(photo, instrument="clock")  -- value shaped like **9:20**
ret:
**4:17**
